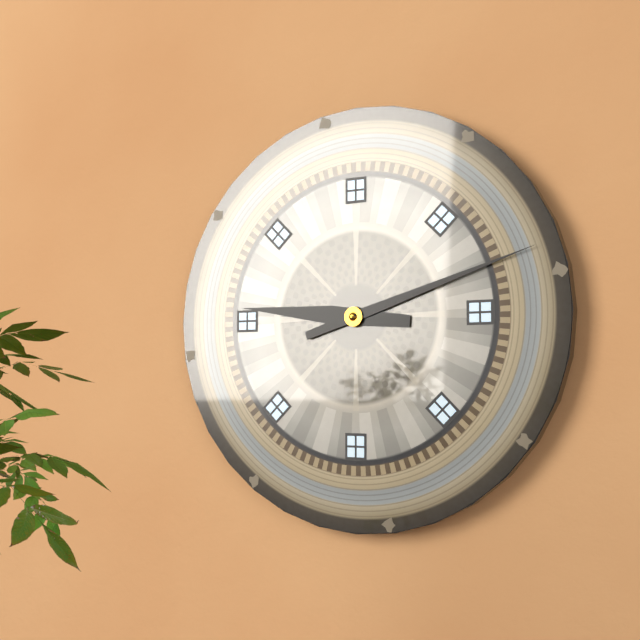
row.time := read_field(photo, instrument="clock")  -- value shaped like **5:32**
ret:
**9:12**
